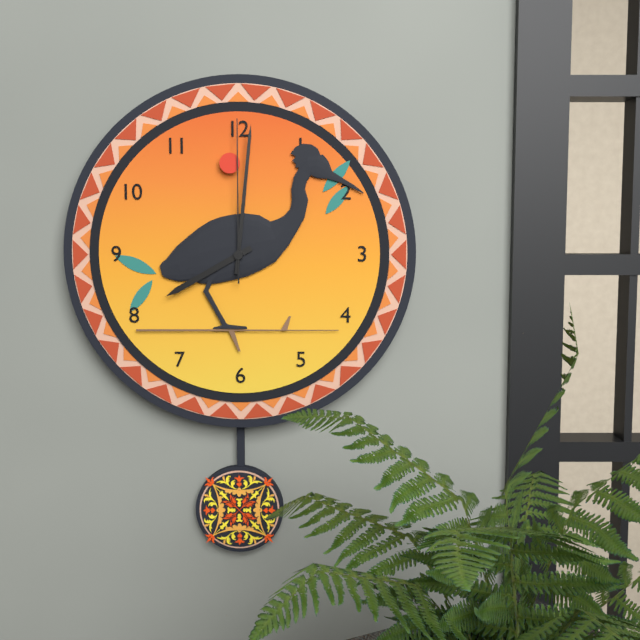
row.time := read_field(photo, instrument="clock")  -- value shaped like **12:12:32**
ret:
**8:01:00**
